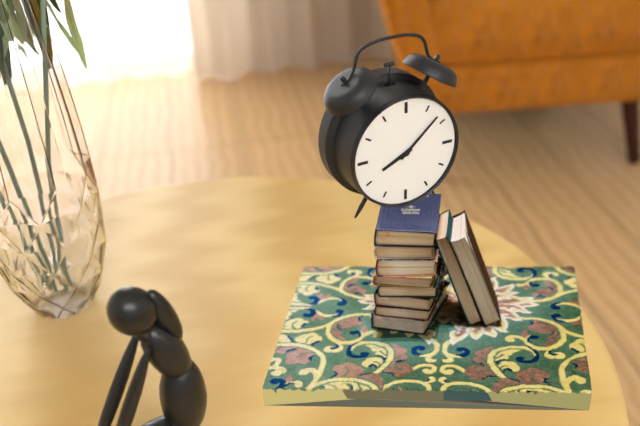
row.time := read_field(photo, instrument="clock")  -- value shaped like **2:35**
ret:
**8:08**
